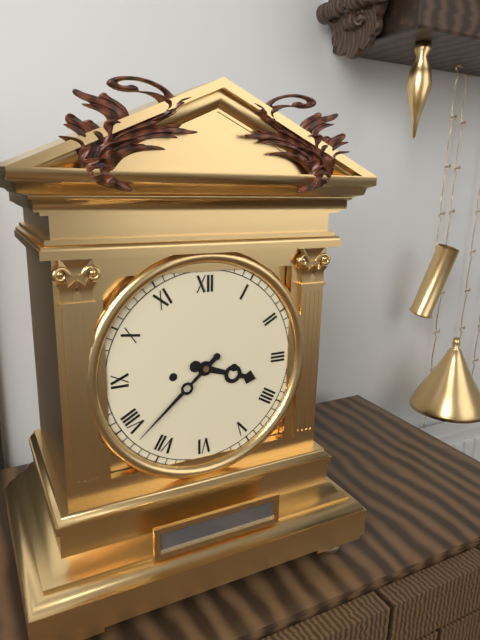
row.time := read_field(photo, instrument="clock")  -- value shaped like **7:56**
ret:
**3:38**
